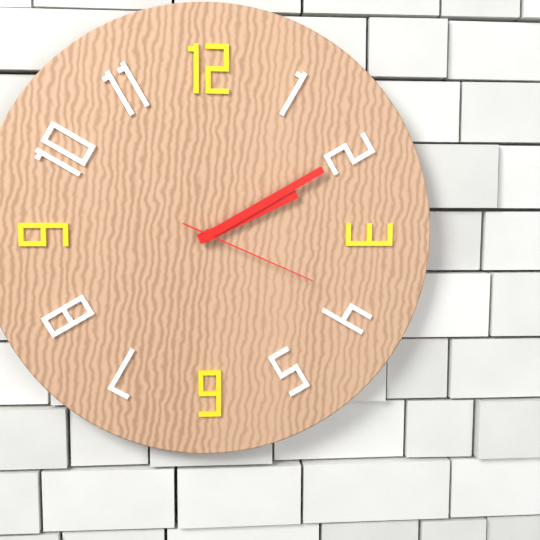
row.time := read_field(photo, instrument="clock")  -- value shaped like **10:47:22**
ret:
**2:10:19**
